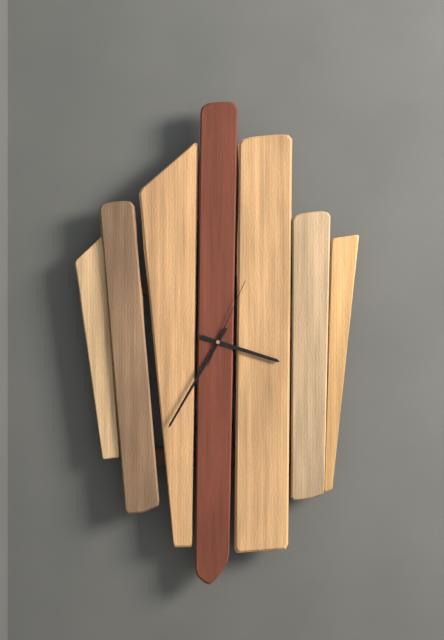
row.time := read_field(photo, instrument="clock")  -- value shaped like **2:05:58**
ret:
**3:35:04**
